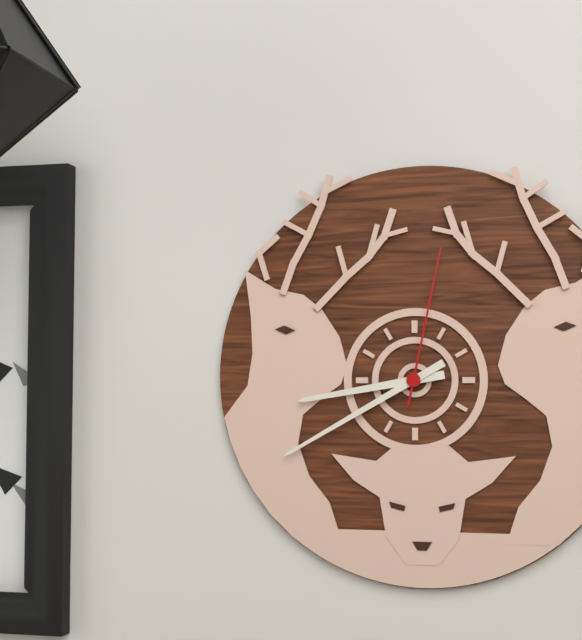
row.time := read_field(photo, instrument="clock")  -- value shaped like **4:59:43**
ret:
**8:40:02**
